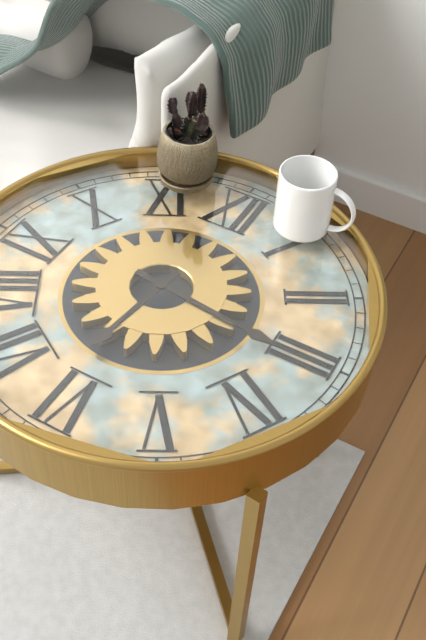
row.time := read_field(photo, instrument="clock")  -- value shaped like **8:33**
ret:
**6:16**
